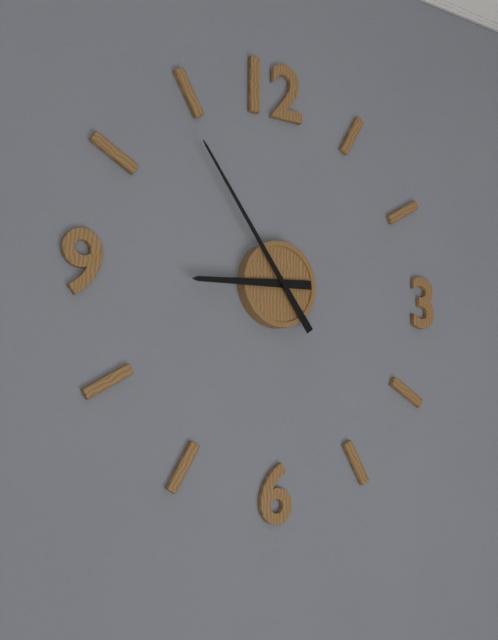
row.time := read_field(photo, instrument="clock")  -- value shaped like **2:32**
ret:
**8:54**
